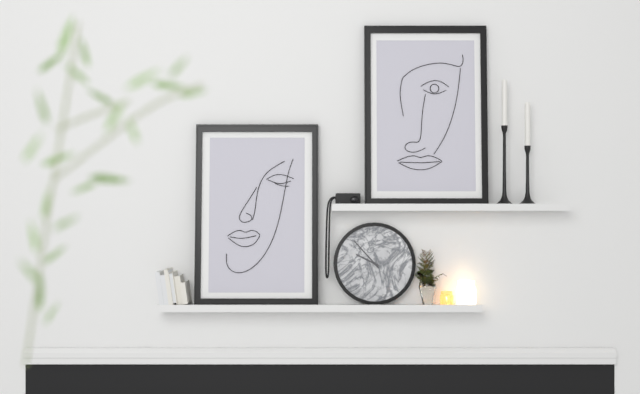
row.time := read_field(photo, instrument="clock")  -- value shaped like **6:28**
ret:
**9:53**
